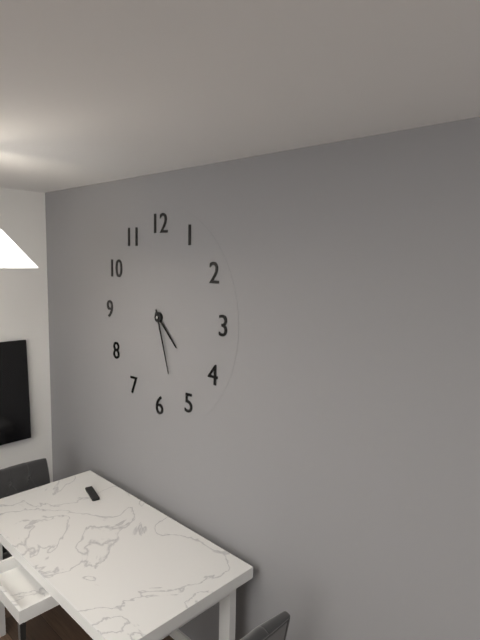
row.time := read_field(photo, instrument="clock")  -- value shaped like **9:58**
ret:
**4:27**
